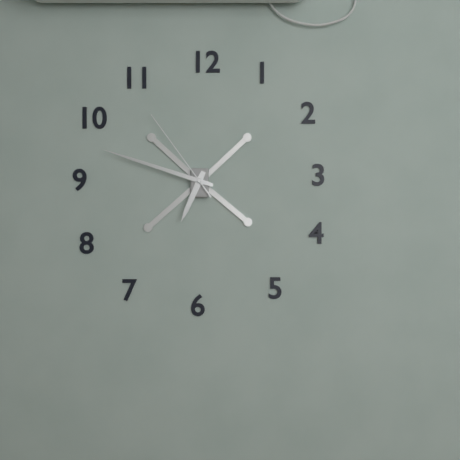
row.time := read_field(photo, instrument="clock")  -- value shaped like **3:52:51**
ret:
**6:48:54**
